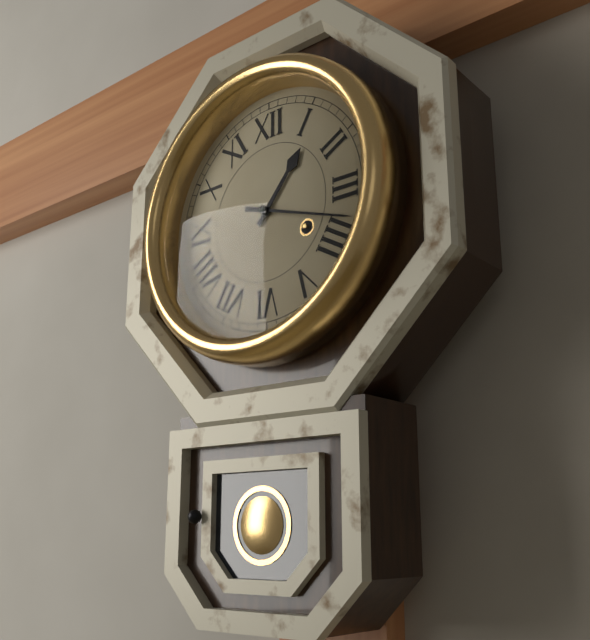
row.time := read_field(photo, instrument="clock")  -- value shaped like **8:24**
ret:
**1:18**
